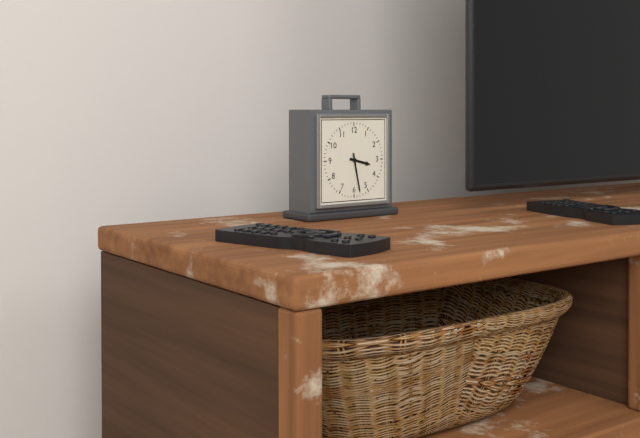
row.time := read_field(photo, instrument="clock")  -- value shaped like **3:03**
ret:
**3:28**
